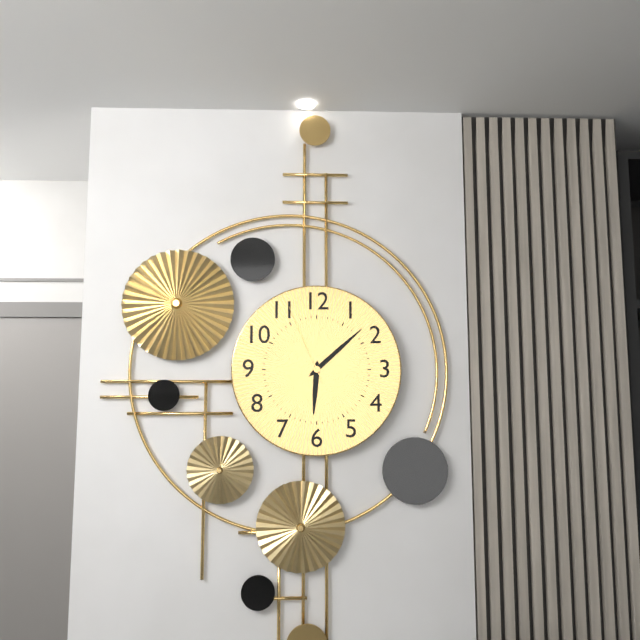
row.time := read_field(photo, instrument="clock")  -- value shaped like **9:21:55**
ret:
**6:08:56**
